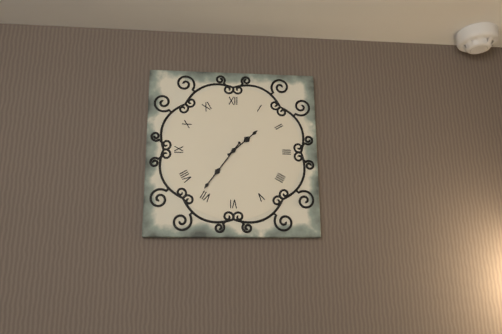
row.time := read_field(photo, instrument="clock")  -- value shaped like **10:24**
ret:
**1:36**
